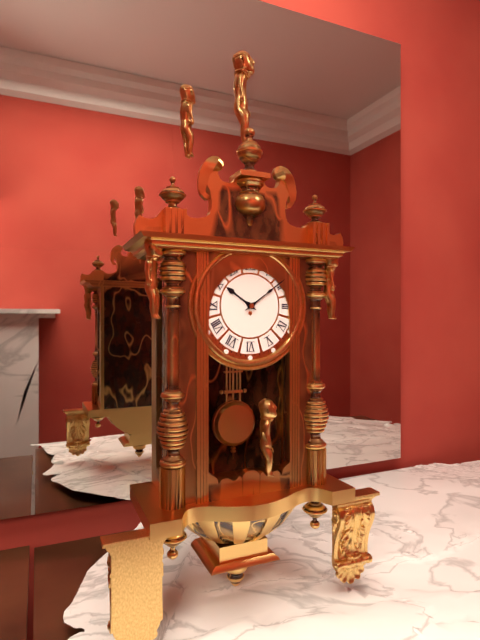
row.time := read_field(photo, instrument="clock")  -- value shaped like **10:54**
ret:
**10:09**
